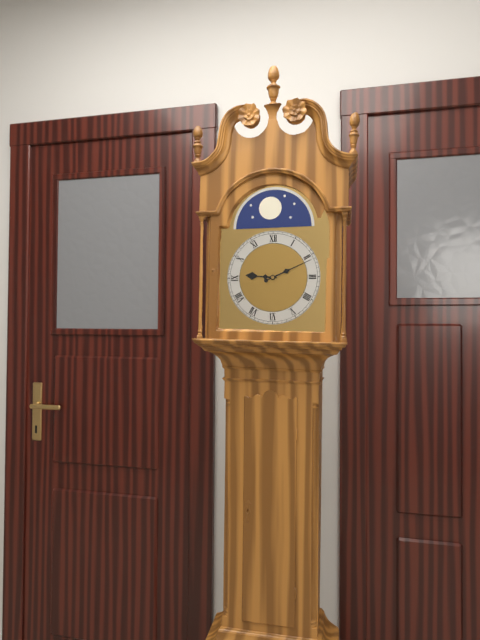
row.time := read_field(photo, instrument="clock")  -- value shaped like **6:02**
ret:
**9:11**
